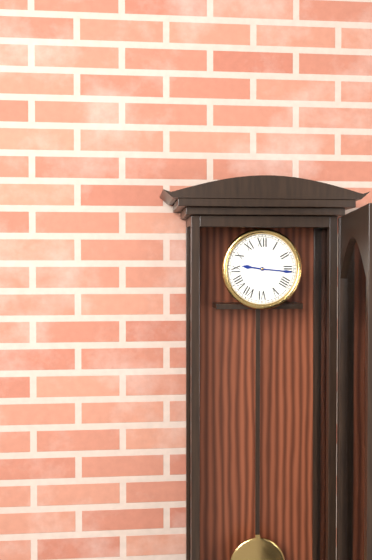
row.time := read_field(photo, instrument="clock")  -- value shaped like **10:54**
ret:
**9:16**
